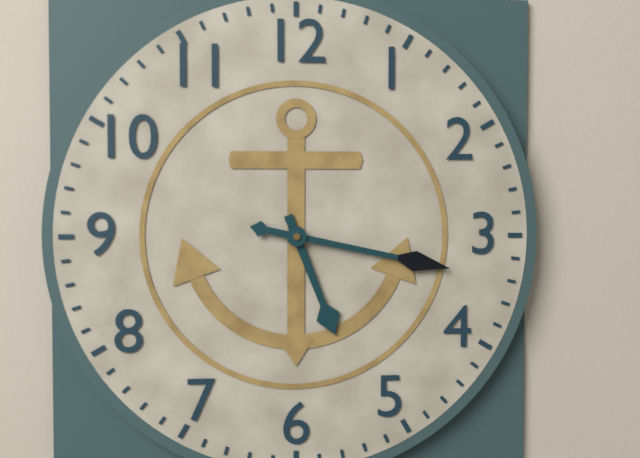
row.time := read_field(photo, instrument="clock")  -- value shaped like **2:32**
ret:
**5:17**
